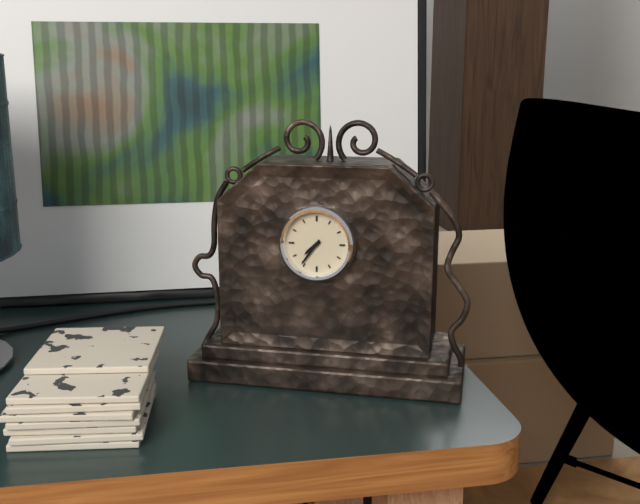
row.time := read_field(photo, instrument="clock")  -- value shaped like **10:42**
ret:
**7:36**
